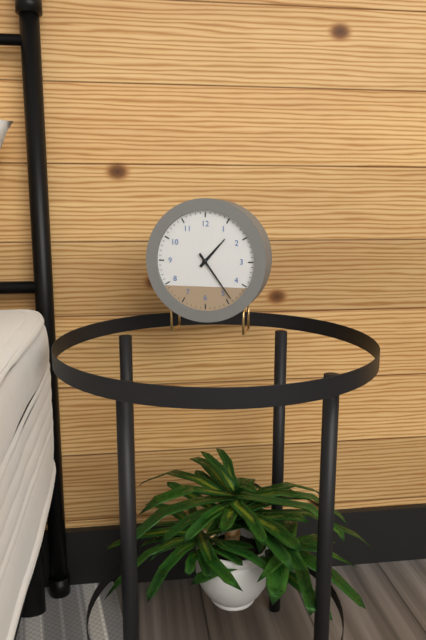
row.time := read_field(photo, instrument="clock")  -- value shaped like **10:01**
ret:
**1:24**
